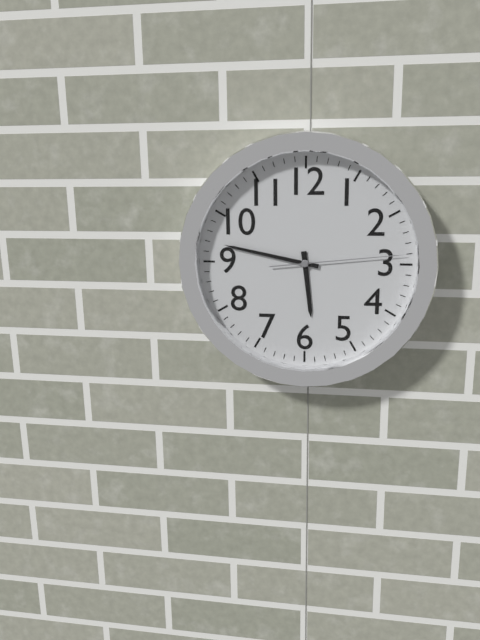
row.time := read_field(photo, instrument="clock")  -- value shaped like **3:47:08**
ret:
**5:47:14**
